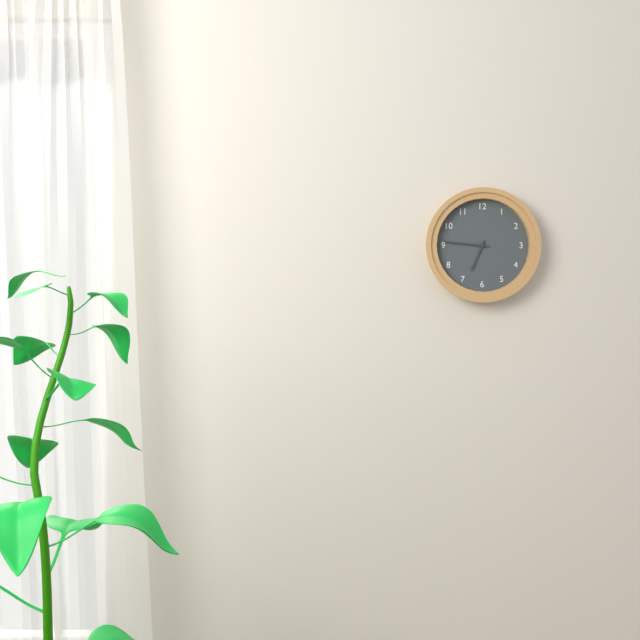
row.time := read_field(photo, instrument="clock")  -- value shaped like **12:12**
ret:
**6:46**
